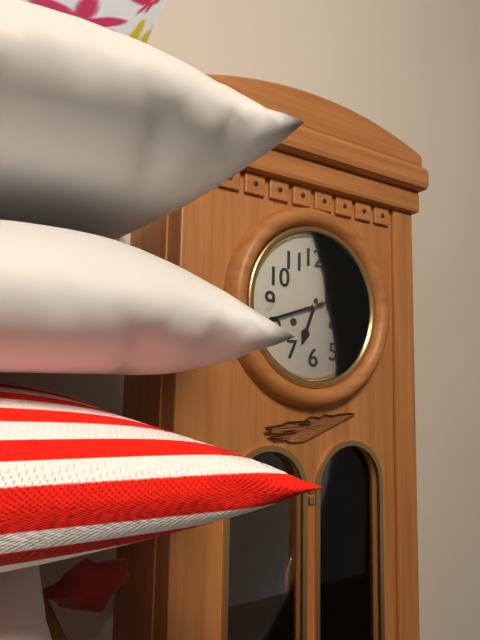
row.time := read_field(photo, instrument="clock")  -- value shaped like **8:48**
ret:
**6:42**
